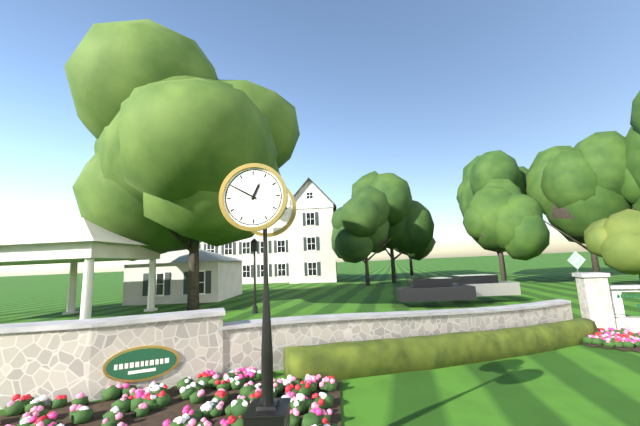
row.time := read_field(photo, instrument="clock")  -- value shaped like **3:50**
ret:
**12:50**
